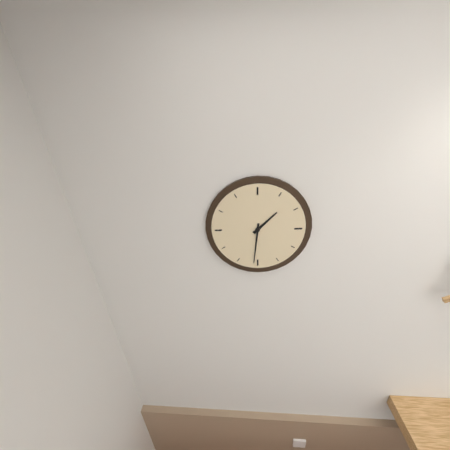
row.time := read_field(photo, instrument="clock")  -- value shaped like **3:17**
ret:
**1:31**
